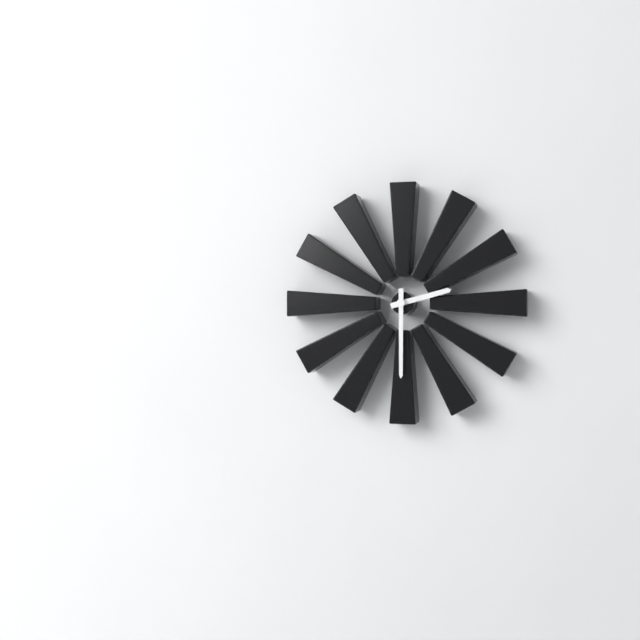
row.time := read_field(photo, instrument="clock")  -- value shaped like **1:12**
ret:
**2:30**
